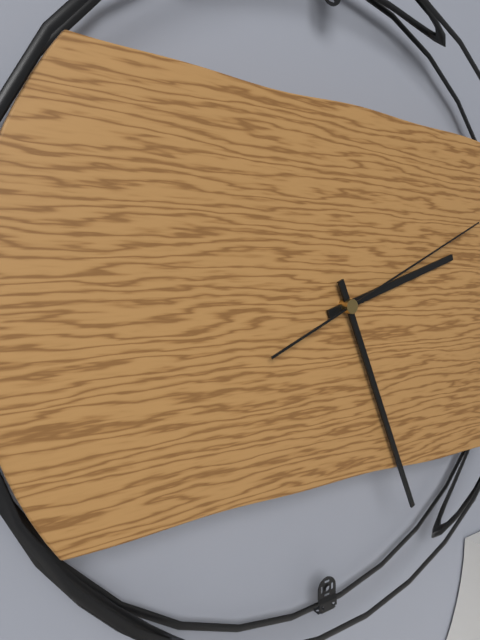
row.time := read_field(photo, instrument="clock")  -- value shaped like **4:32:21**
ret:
**2:26:11**
